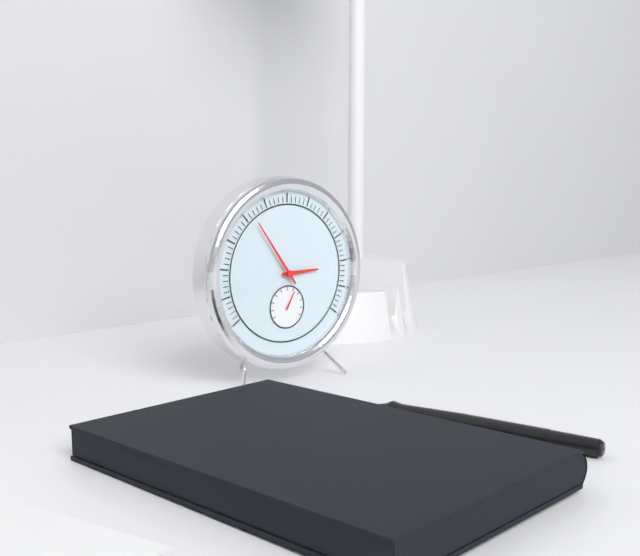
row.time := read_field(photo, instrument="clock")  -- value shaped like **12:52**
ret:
**2:54**
